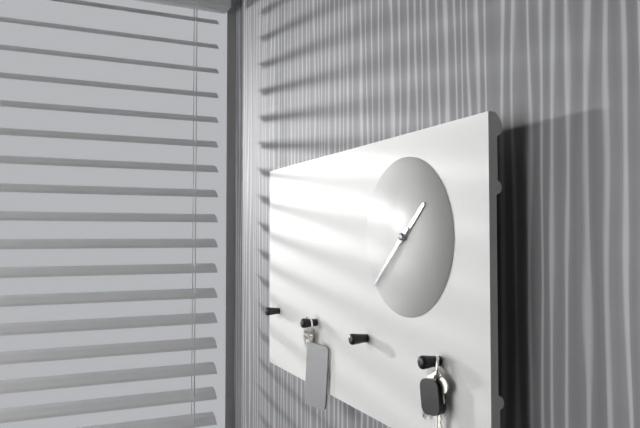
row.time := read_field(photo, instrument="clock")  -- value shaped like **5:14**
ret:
**1:38**
